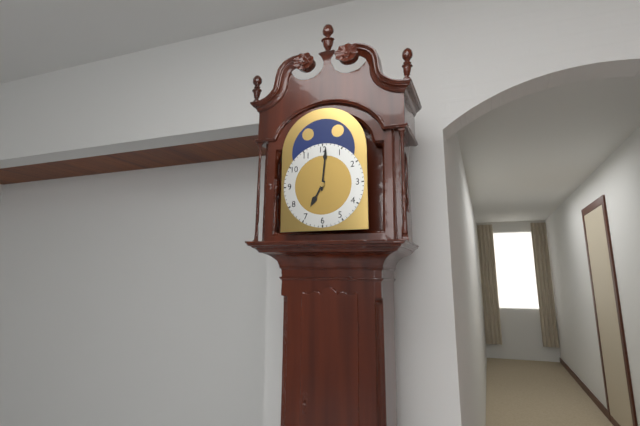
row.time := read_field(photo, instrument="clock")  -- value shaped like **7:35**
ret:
**7:01**
